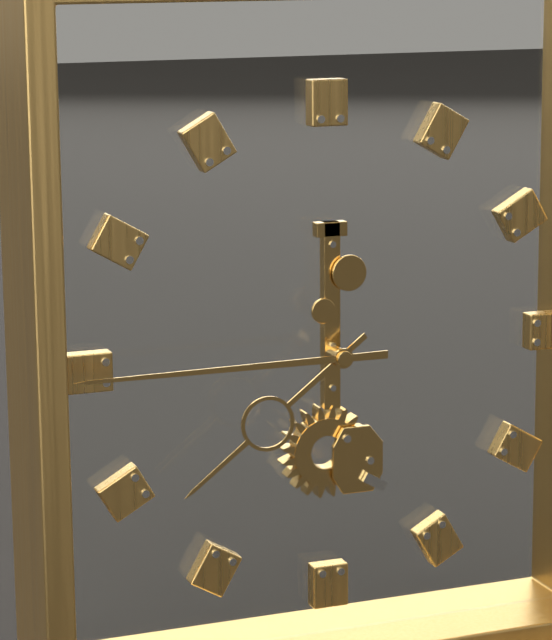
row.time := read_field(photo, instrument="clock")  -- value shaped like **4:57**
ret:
**7:45**
